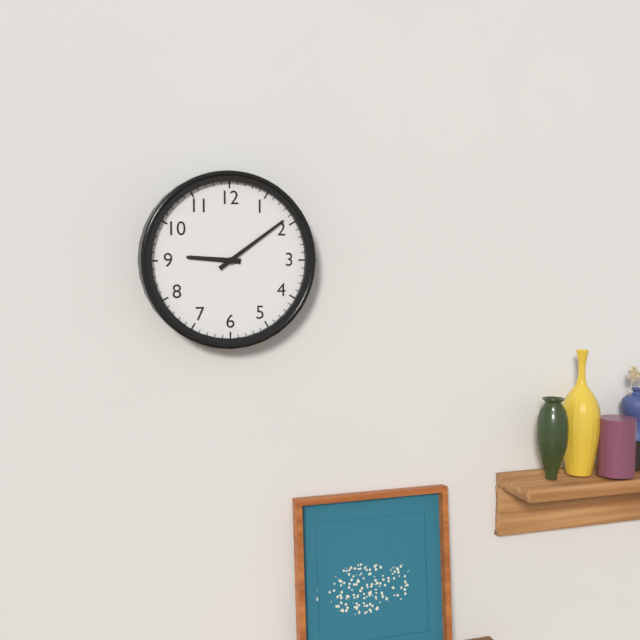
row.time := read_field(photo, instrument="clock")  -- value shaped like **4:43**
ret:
**9:09**
